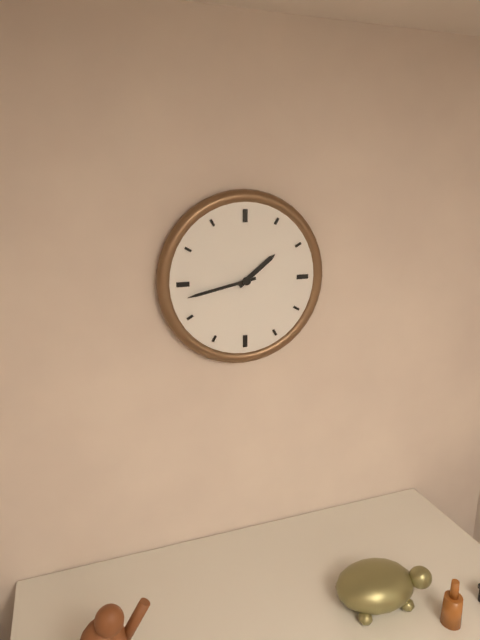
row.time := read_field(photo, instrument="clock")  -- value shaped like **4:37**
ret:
**1:43**
